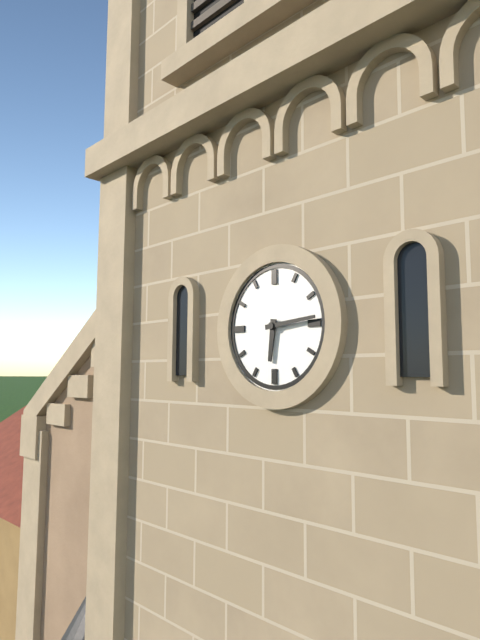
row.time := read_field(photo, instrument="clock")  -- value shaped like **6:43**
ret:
**6:14**
